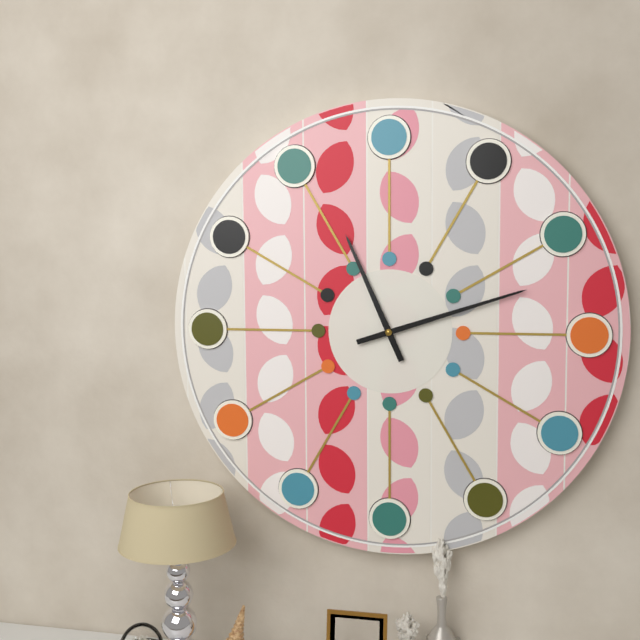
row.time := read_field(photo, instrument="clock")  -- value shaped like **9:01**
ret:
**11:12**
